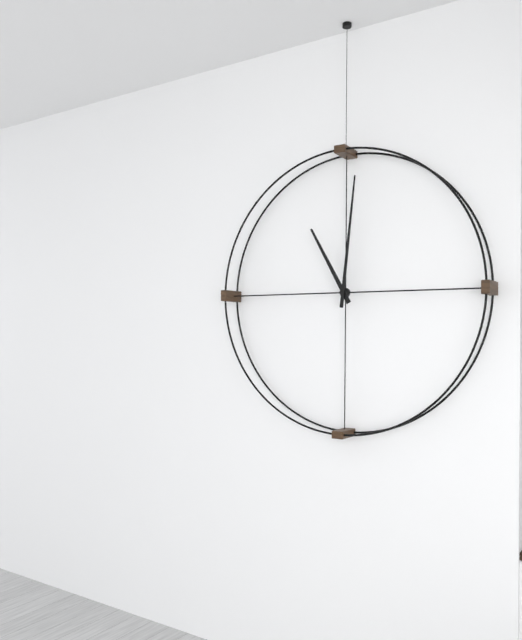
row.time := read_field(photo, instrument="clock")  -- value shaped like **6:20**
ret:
**11:01**
